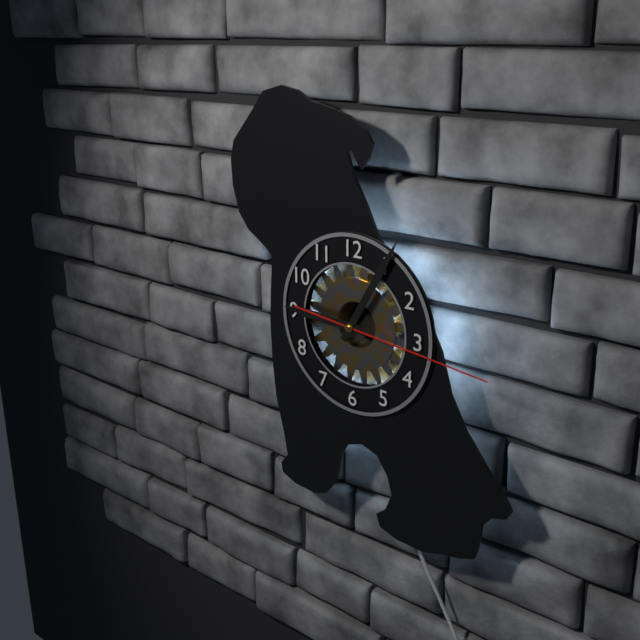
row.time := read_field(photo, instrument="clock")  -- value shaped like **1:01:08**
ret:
**9:05:16**
